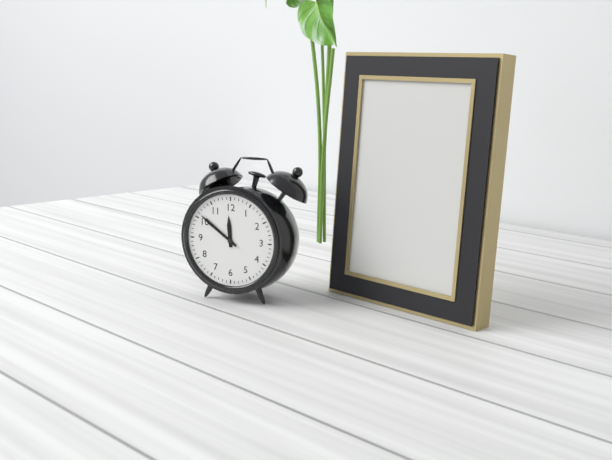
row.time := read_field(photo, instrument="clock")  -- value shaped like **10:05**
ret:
**11:51**
